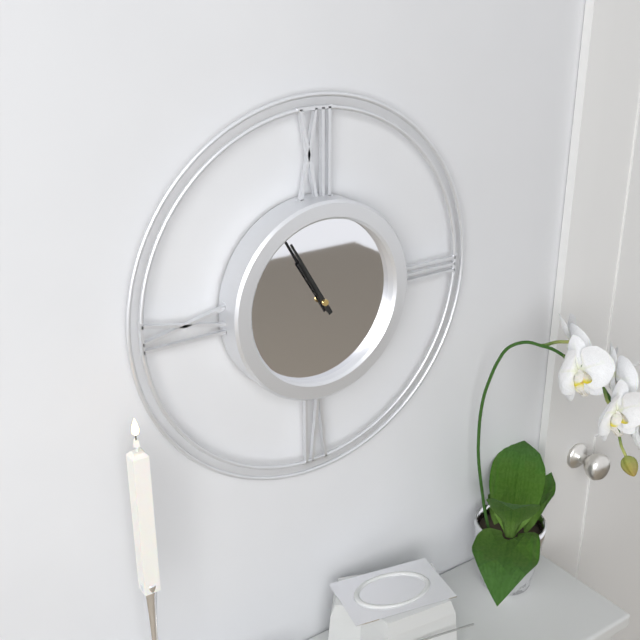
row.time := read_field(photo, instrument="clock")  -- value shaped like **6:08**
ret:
**10:55**
